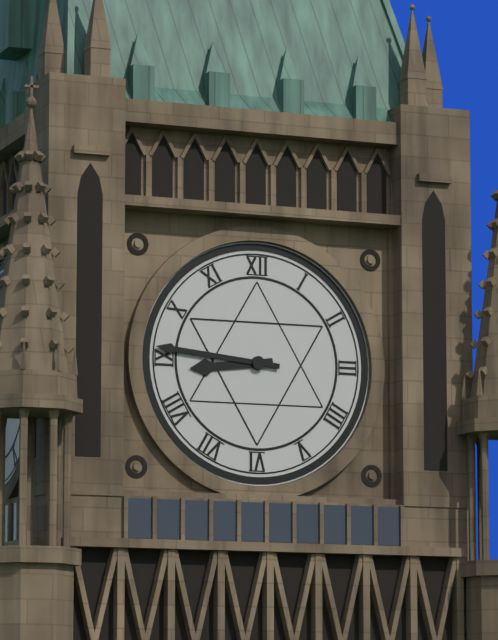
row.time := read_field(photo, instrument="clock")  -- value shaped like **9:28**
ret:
**8:46**
